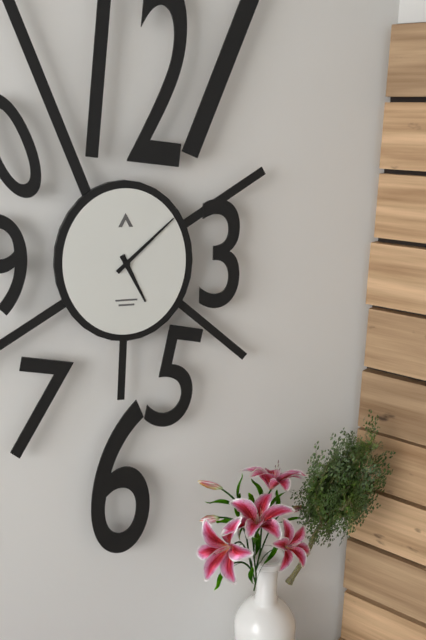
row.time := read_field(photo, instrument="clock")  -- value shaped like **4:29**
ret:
**5:08**
